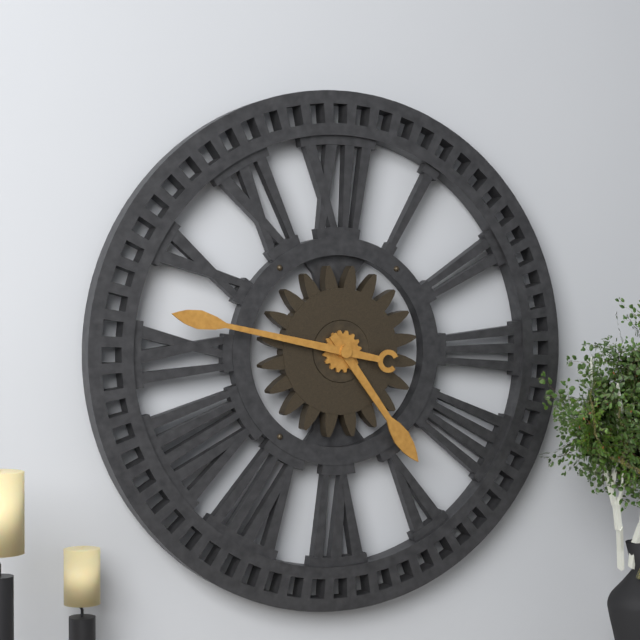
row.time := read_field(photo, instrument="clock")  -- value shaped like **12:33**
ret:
**4:47**
